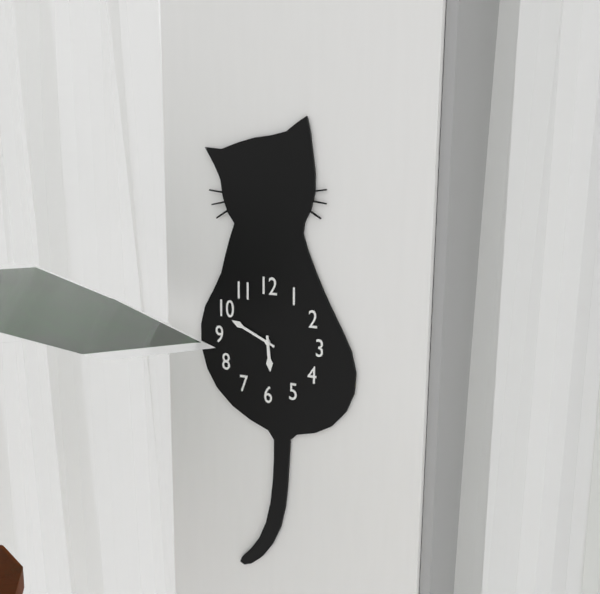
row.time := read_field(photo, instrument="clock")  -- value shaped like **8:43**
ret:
**5:49**
